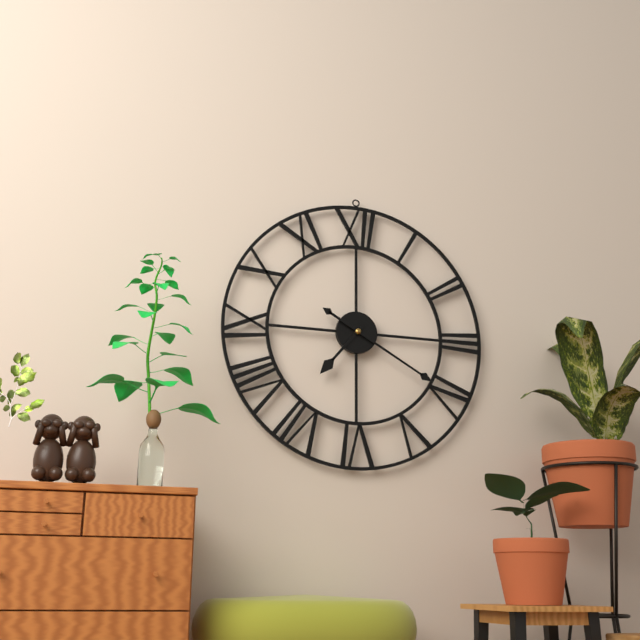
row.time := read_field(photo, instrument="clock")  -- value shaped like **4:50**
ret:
**7:20**
